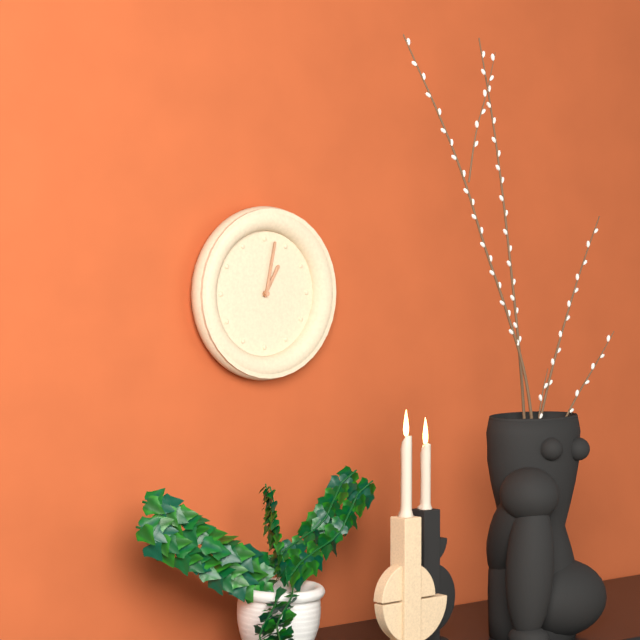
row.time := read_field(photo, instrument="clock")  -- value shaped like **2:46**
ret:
**1:02**
